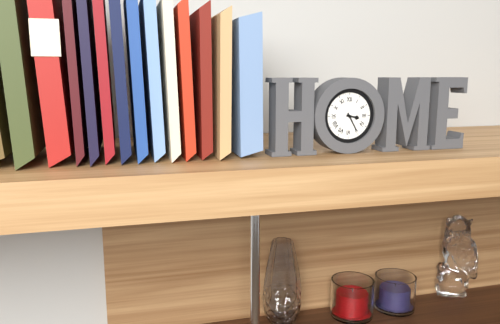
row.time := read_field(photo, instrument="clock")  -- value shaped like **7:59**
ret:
**3:25**
